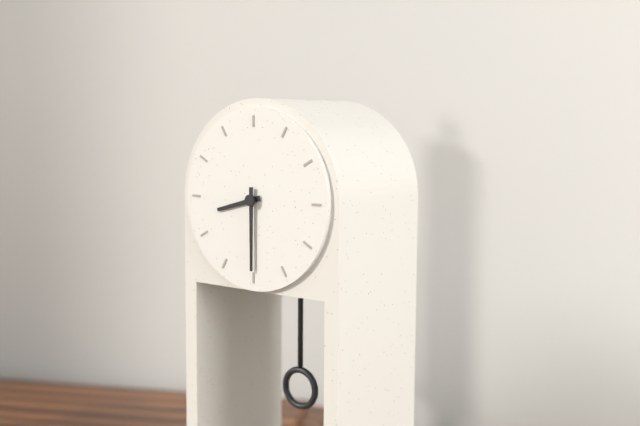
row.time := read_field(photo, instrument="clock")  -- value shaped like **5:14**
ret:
**8:30**
